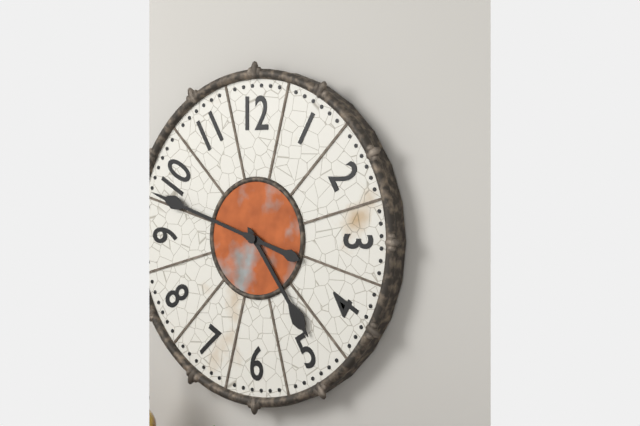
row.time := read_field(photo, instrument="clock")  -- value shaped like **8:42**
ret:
**4:48**
